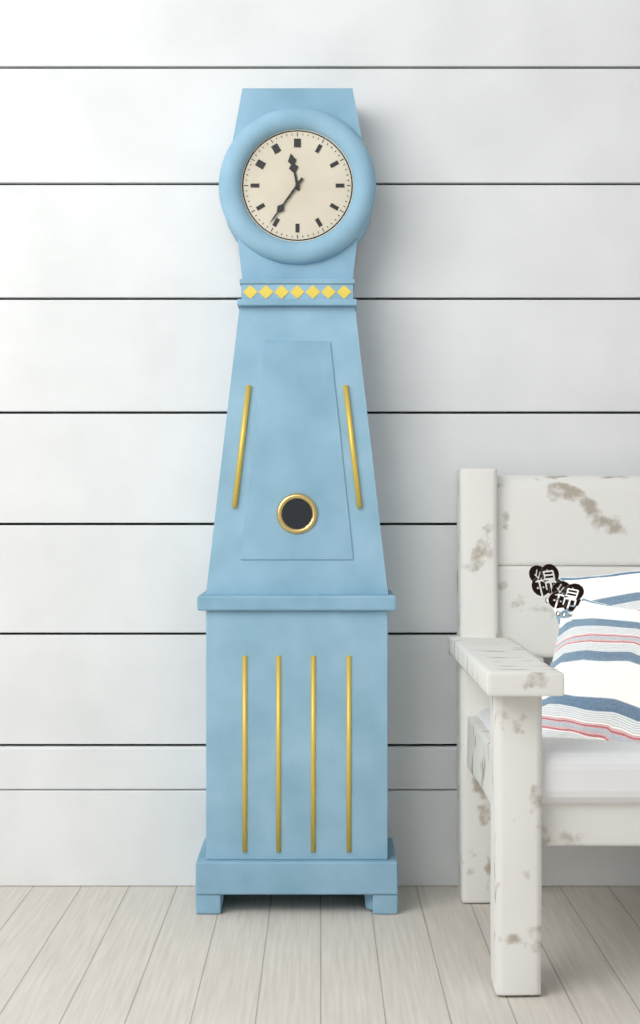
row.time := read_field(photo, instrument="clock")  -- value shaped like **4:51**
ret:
**11:36**
